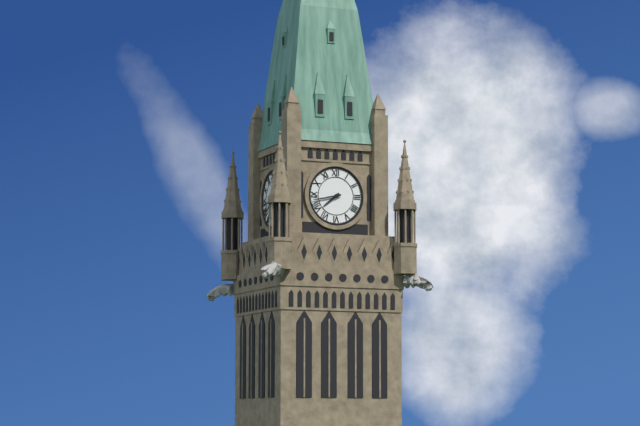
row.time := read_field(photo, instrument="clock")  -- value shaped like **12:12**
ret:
**7:43**
